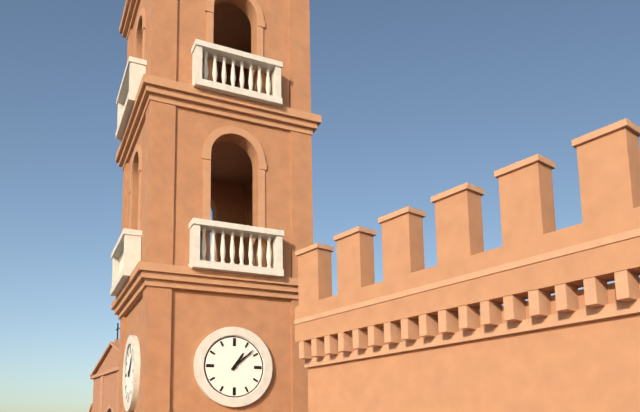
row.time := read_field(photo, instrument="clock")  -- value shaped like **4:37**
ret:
**1:08**
